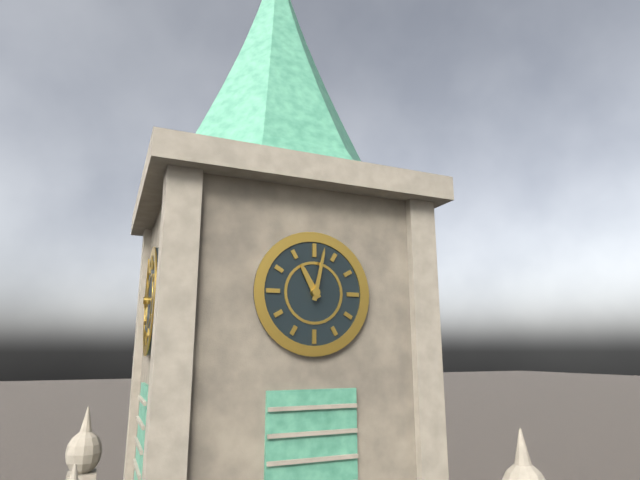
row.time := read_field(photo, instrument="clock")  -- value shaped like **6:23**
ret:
**11:02**
